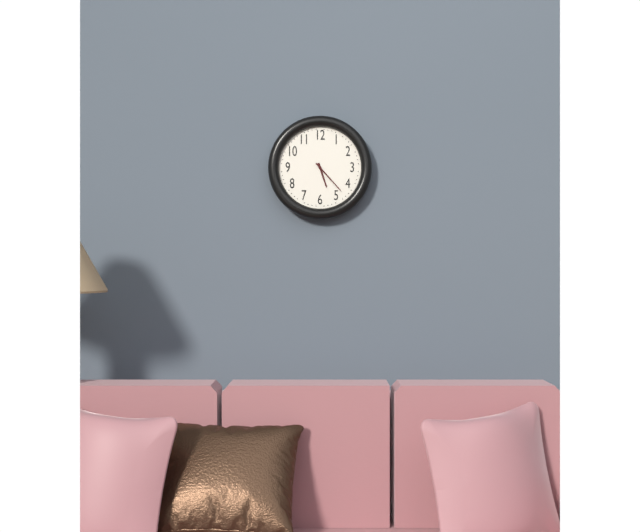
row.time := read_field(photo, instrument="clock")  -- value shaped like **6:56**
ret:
**5:23**
